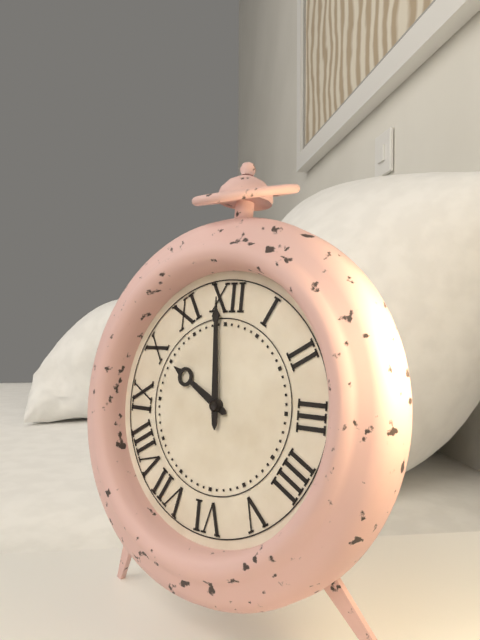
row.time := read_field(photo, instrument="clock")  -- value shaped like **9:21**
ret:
**9:59**
